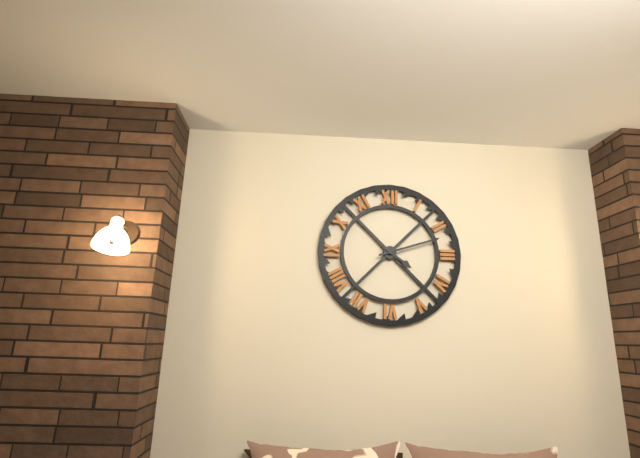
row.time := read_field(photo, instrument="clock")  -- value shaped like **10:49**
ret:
**4:12**
